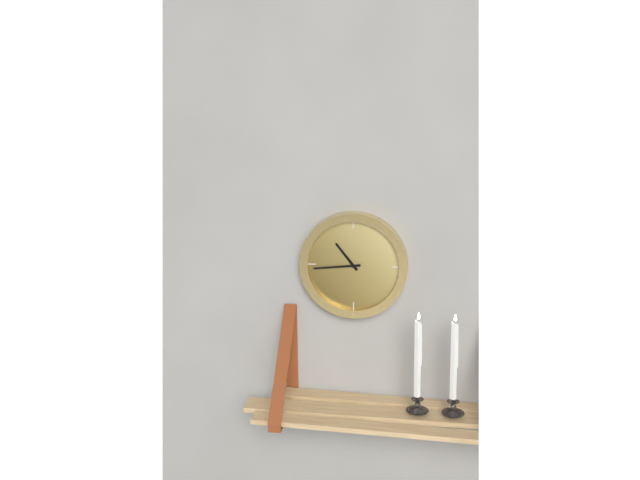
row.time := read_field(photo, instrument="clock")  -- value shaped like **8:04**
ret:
**10:44**
